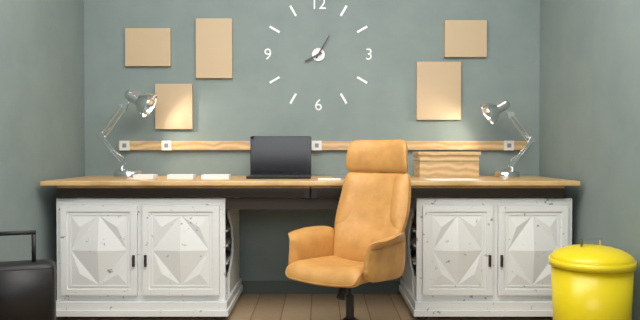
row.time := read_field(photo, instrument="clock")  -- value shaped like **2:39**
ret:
**8:05**
